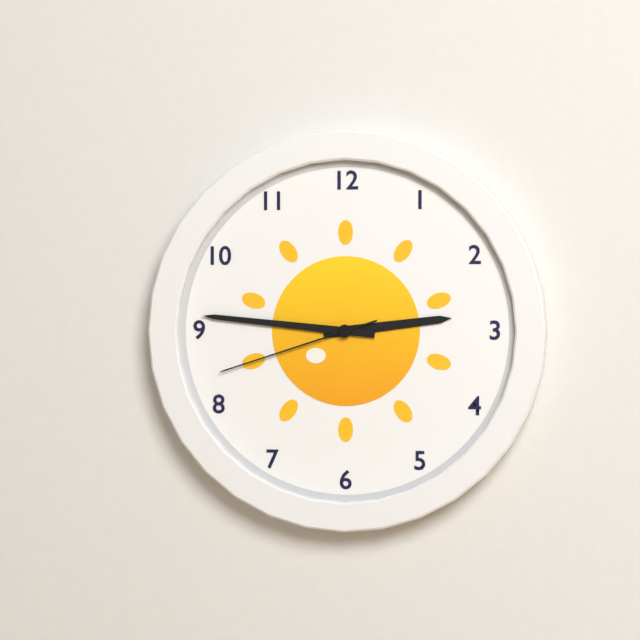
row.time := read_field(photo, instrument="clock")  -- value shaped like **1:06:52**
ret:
**2:46:42**
